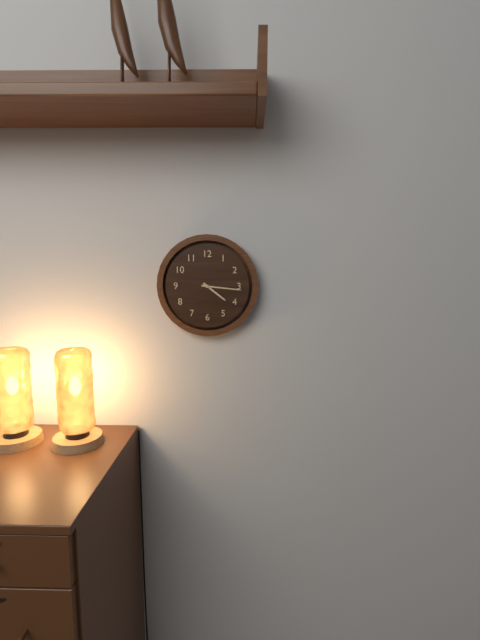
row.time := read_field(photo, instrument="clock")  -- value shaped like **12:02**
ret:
**4:16**
